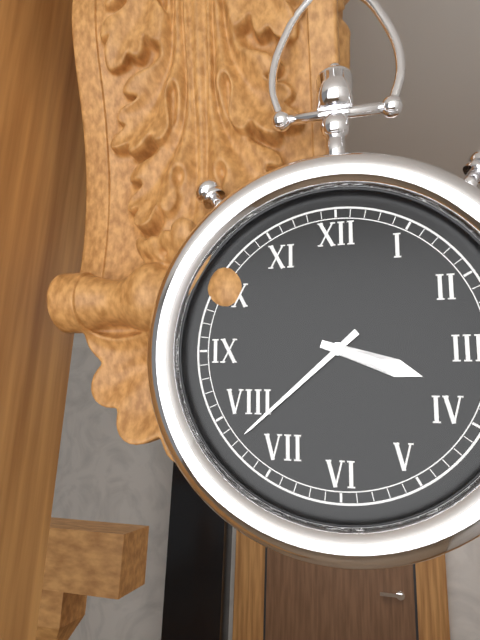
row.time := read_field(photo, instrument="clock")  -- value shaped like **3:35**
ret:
**3:38**
